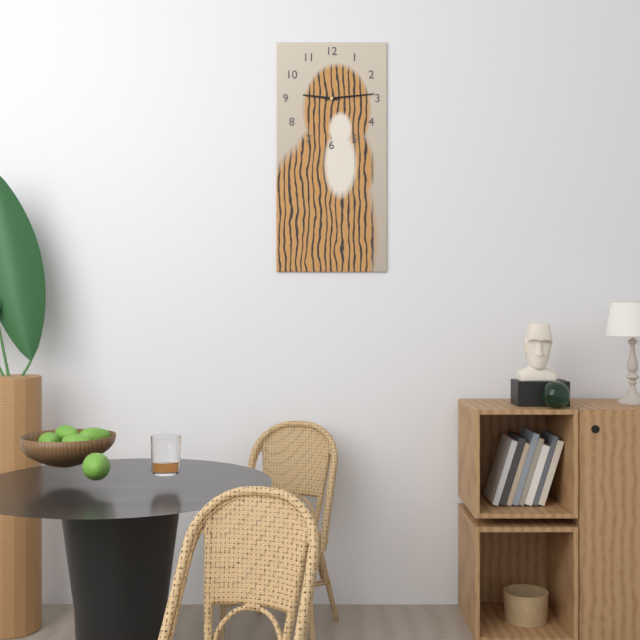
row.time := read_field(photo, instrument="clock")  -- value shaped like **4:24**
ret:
**9:14**
